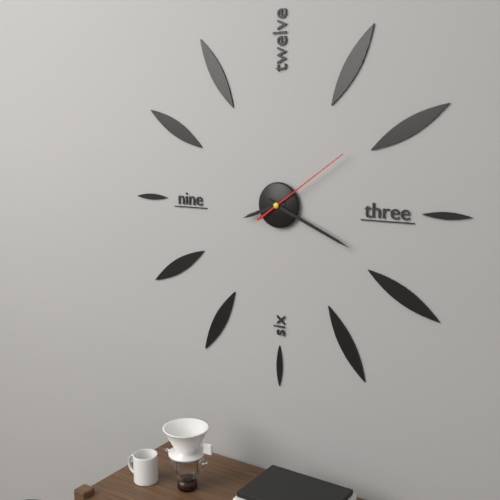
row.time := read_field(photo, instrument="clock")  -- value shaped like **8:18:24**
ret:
**8:19:09**
